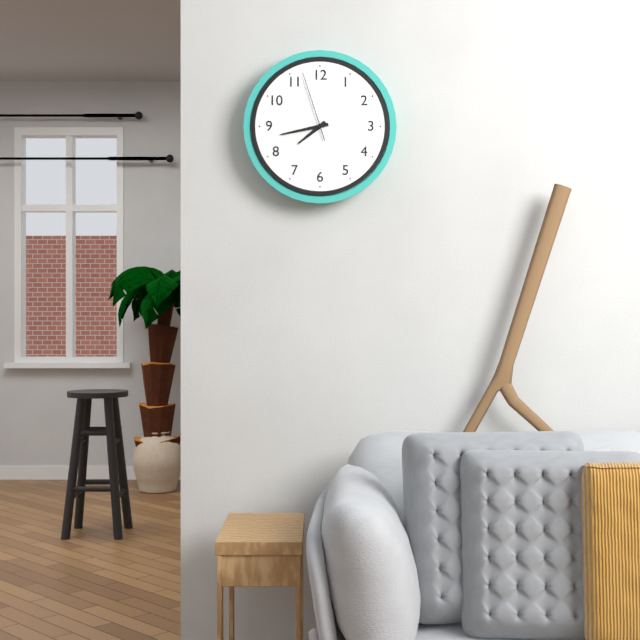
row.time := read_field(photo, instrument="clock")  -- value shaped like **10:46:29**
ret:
**7:43:57**
